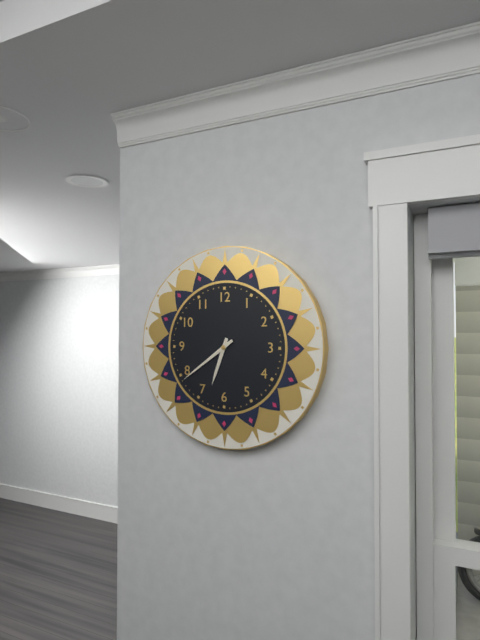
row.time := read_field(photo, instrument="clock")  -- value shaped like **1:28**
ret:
**6:39**
